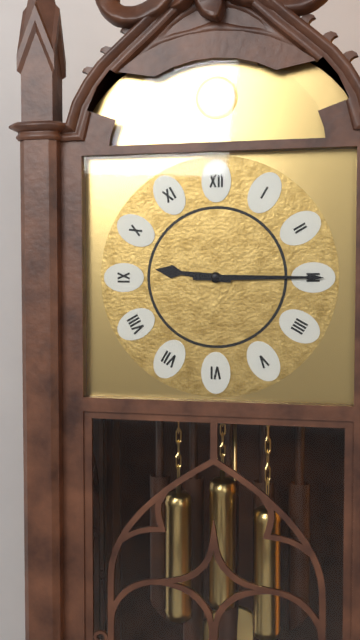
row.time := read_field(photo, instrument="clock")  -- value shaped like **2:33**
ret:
**9:15**
